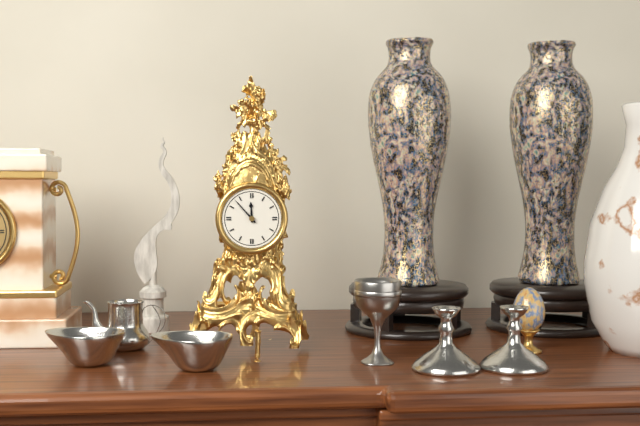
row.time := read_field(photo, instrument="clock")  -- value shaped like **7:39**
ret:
**11:53**
